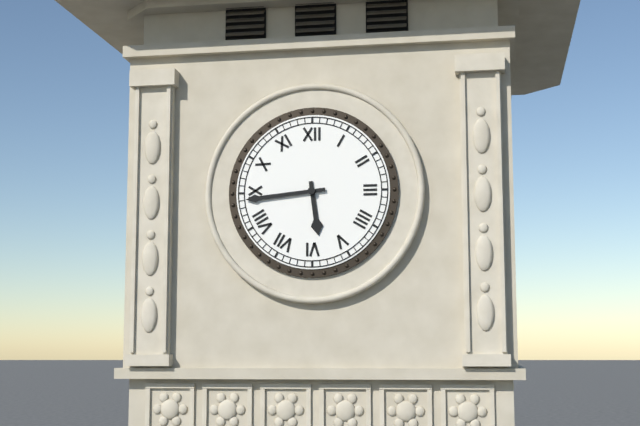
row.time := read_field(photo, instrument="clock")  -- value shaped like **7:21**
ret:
**5:44**
